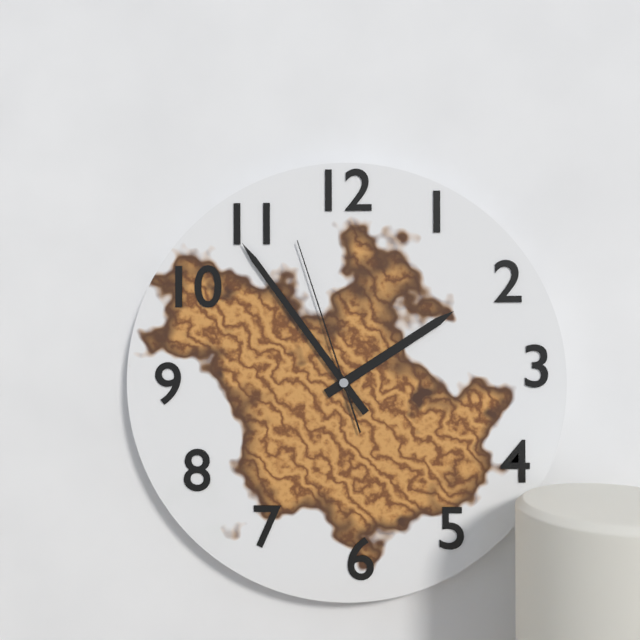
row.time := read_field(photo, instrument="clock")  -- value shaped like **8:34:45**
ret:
**1:54:57**
